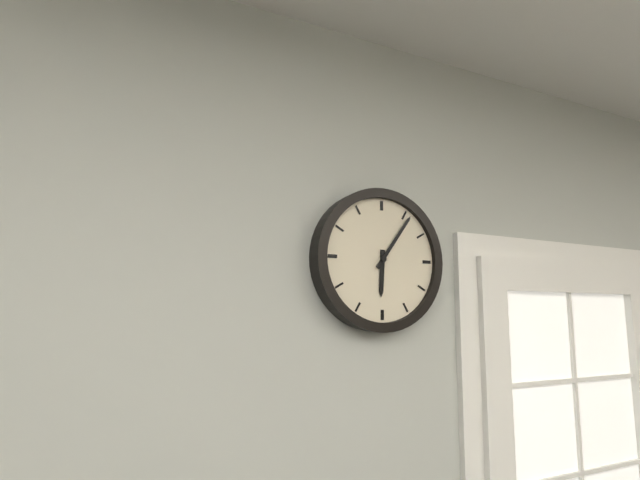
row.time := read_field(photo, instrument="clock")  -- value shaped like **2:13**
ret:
**6:06**
